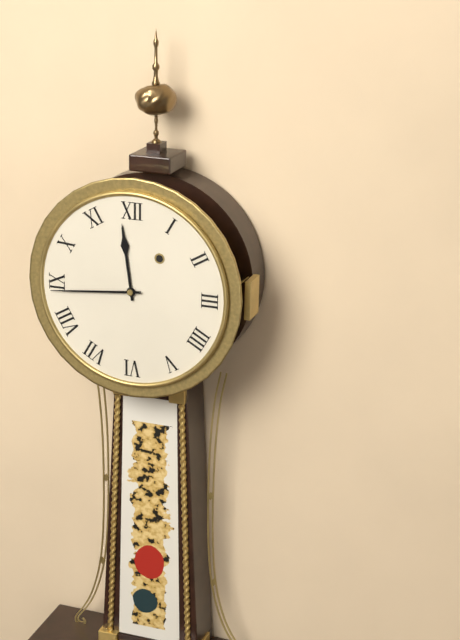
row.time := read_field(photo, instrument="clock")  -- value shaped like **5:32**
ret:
**11:44**
